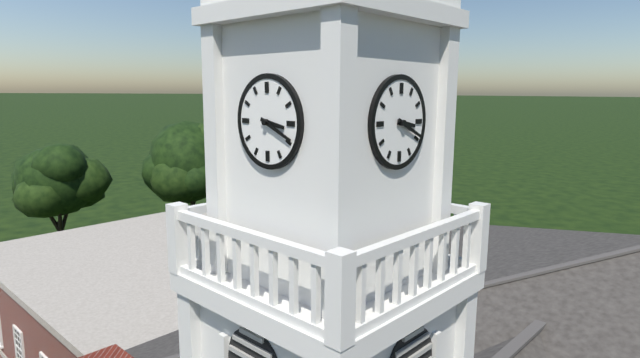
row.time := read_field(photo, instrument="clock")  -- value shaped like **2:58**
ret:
**3:19**
